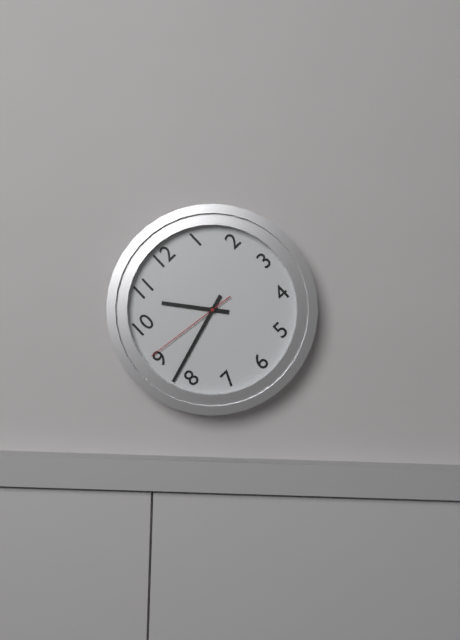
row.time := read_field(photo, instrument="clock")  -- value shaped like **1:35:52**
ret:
**10:42:46**
